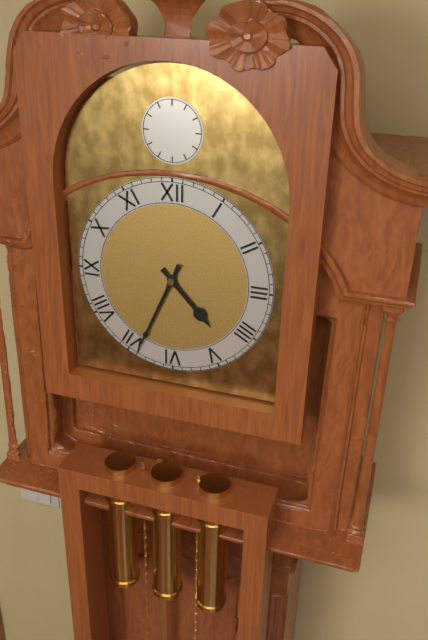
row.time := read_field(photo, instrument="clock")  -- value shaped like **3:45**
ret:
**4:34**
